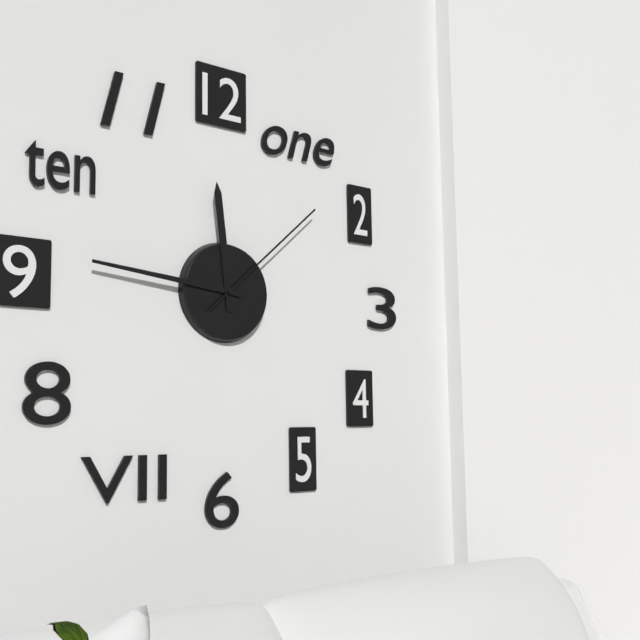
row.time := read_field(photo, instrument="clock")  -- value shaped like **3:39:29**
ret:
**11:46:08**
